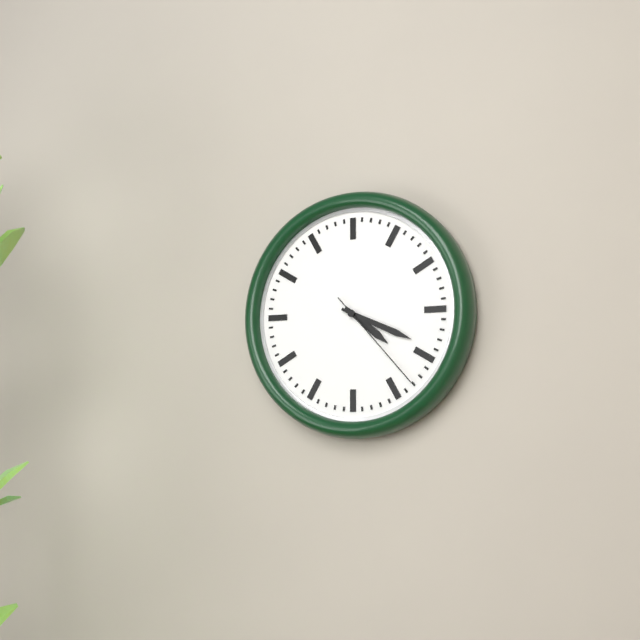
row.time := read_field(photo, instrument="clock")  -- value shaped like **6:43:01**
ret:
**4:19:23**
